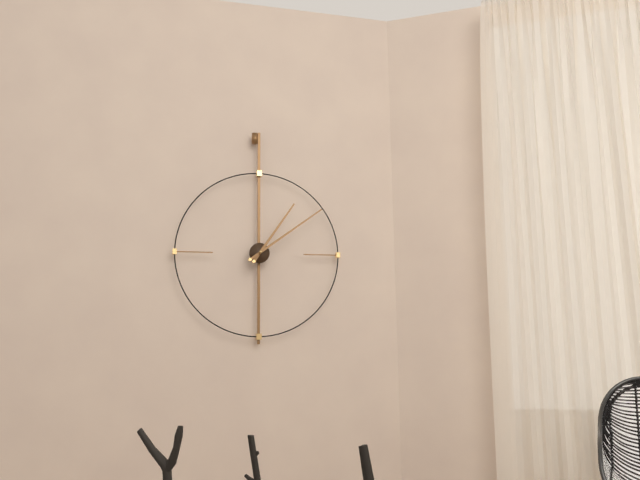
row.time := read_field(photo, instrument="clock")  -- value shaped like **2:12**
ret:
**1:09**
